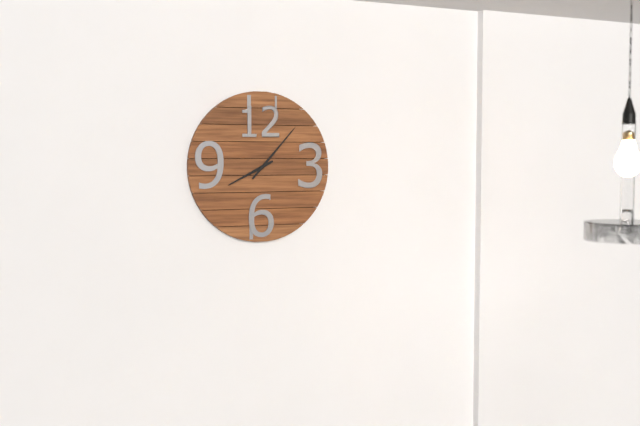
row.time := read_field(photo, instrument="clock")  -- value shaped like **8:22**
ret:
**8:07**
